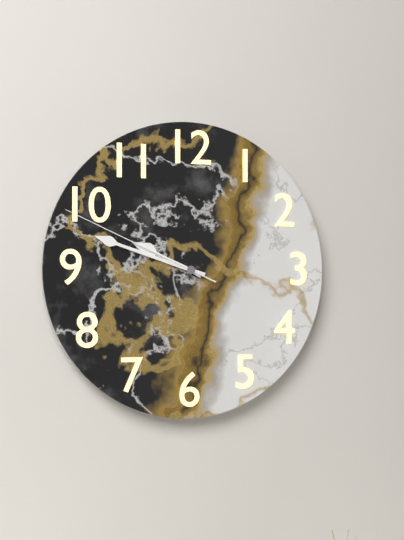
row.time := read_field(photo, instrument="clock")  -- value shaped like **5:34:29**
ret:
**9:48:49**
